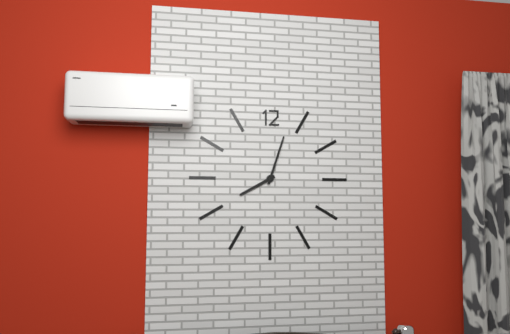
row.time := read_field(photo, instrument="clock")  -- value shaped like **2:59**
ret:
**8:03**
